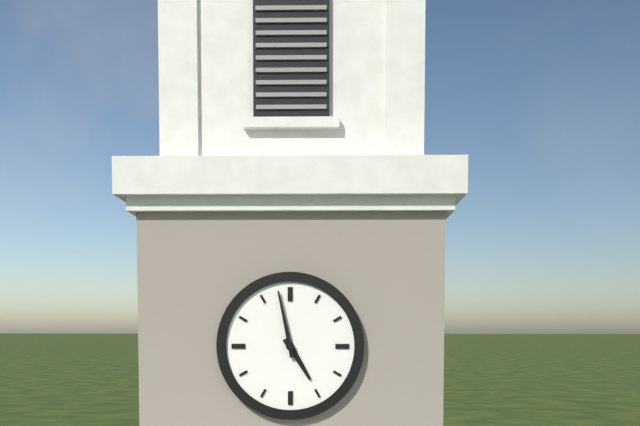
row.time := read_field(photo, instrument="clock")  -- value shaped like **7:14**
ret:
**4:58**
